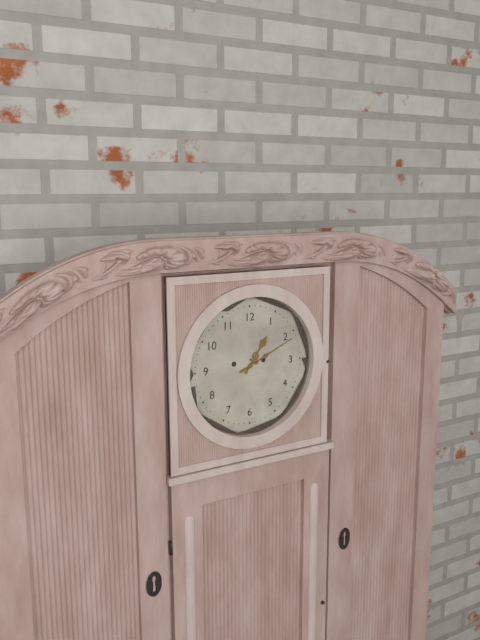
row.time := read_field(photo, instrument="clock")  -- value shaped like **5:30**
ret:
**1:11**
